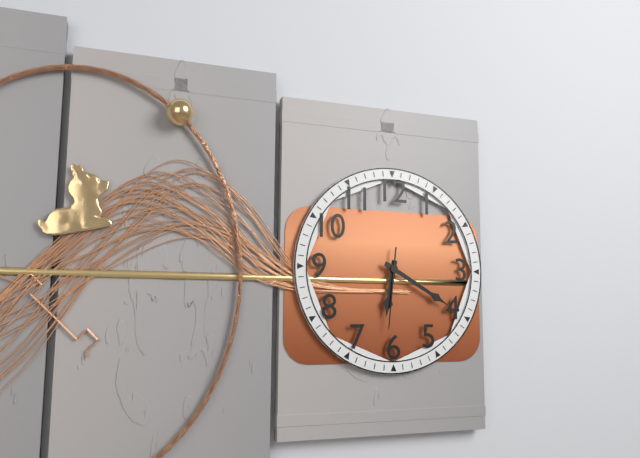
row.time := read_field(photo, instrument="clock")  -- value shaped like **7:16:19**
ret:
**6:20:31**
